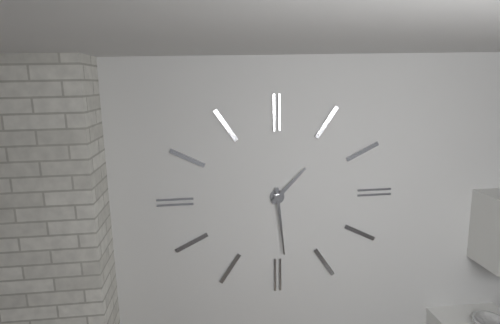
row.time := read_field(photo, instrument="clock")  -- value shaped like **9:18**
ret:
**1:29**
